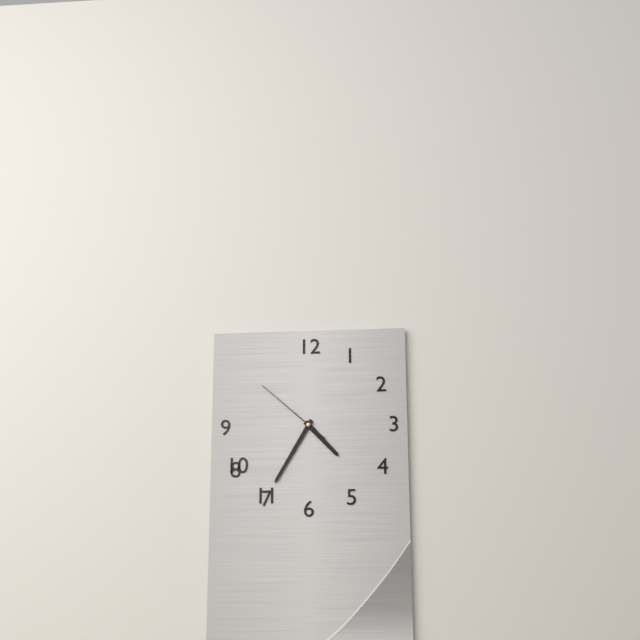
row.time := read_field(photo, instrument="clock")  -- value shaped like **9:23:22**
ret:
**4:35:52**
